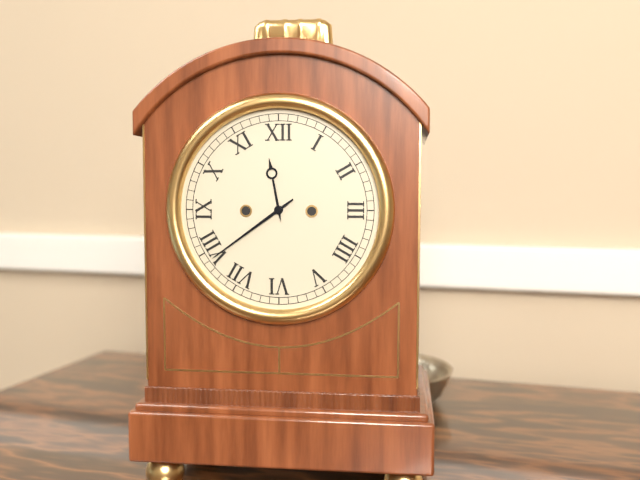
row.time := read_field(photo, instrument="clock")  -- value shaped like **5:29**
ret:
**11:39**
